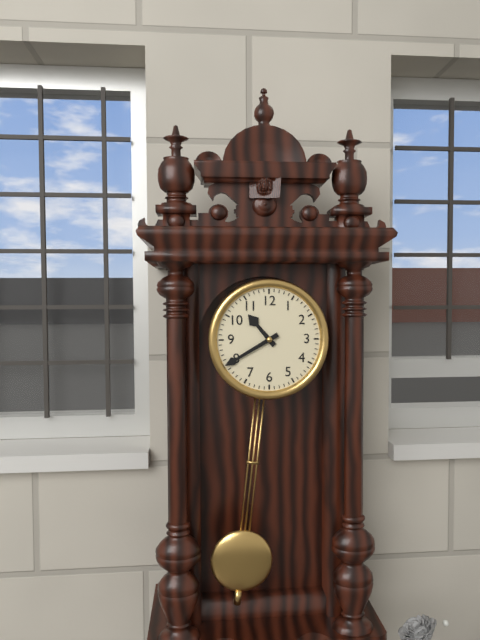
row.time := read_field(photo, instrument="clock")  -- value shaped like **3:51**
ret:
**10:40**
